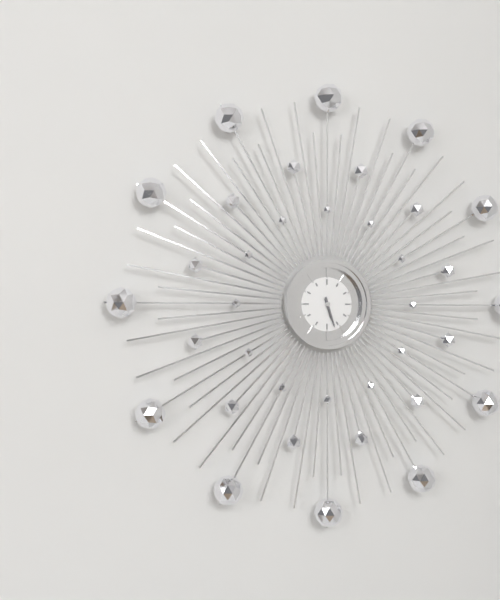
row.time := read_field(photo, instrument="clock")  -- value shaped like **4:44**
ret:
**5:27**
